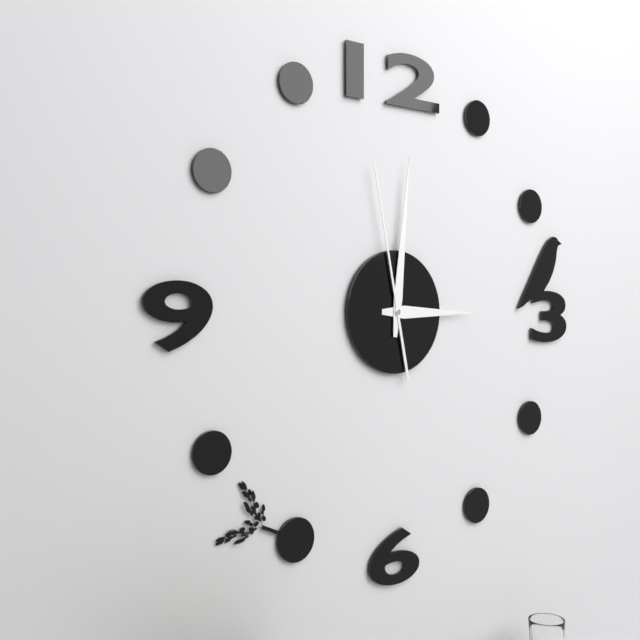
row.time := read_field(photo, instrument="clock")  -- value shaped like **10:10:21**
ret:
**3:01:58**
